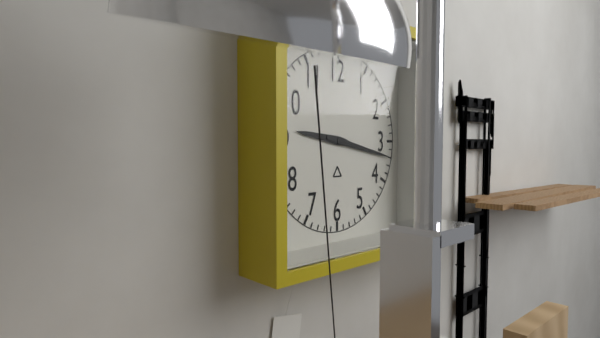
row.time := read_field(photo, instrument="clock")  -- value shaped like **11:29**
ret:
**9:17**
